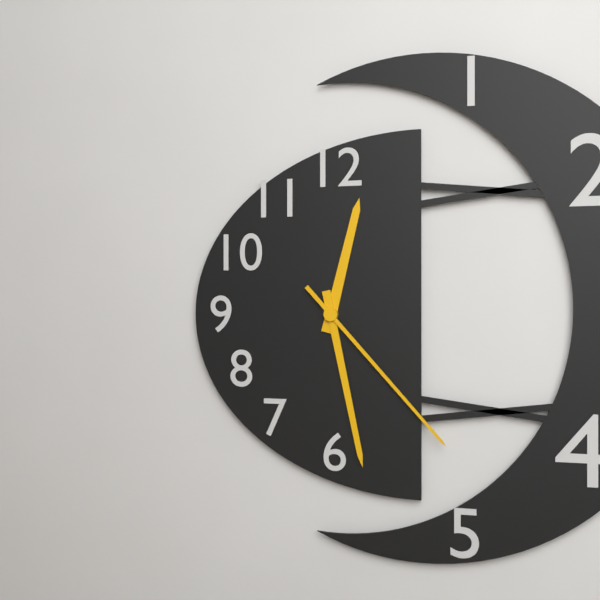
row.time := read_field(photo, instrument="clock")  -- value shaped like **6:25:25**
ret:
**12:28:23**
